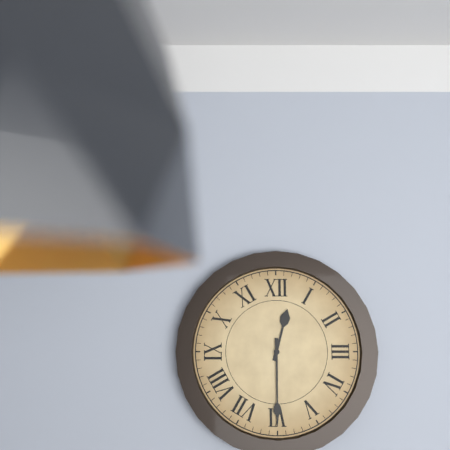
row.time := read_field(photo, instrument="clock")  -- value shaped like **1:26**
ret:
**12:30**
